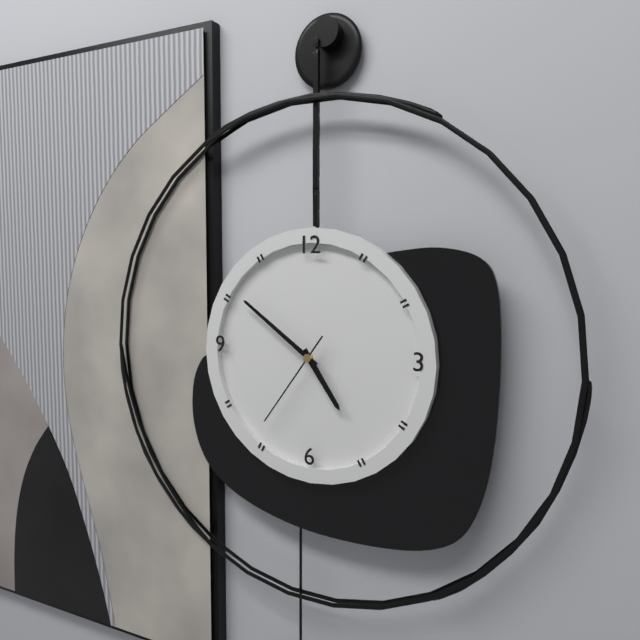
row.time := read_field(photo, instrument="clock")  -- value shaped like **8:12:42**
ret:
**4:51:36**
